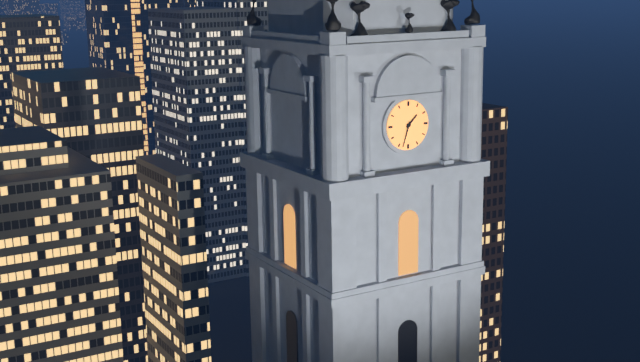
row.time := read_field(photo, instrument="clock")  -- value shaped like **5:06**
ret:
**1:33**
